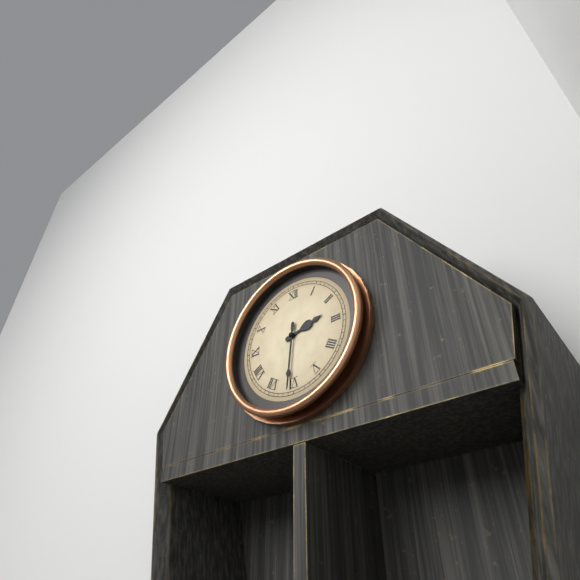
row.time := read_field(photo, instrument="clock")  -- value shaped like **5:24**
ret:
**2:31**
